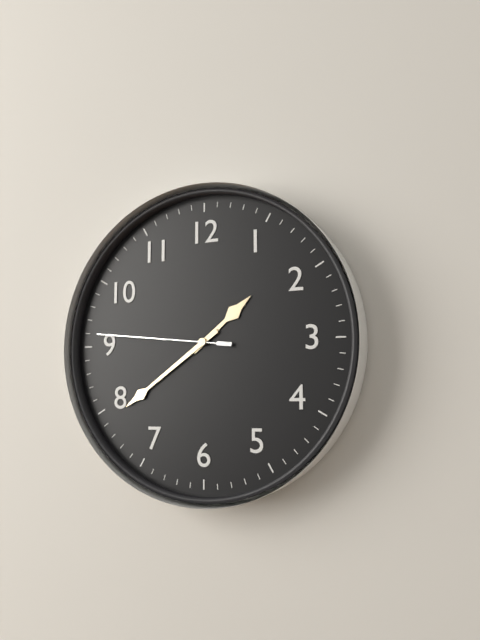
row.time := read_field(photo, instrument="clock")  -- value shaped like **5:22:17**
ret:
**1:39:46**
